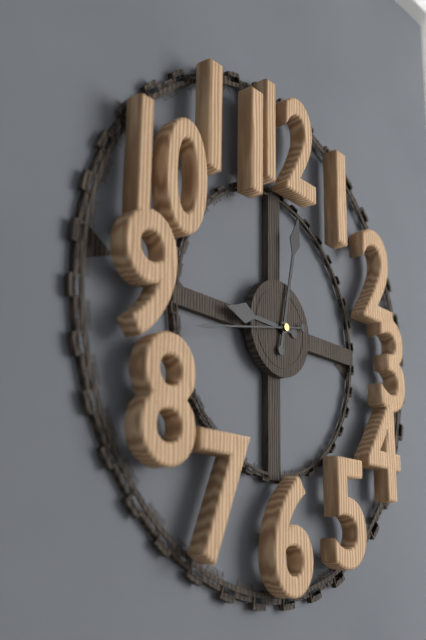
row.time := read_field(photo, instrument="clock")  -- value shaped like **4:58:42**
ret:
**9:02:43**
